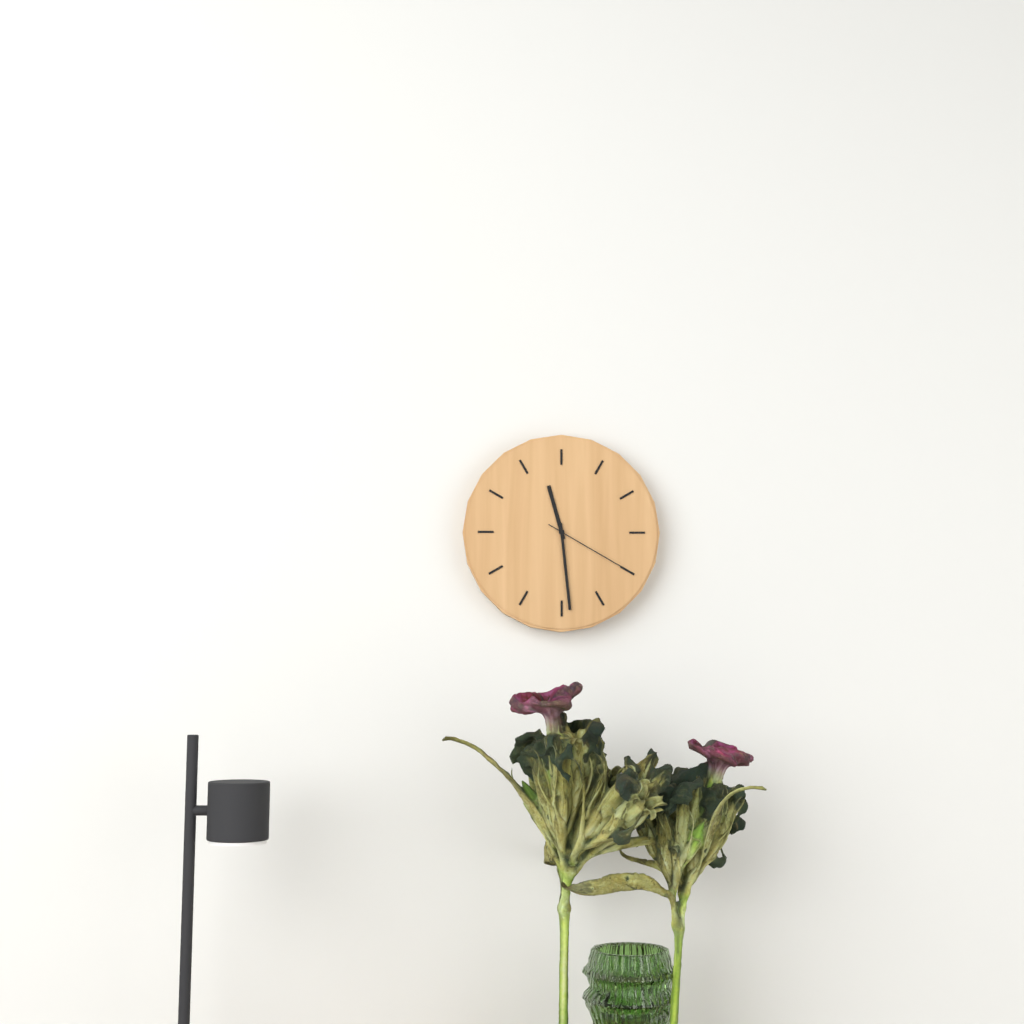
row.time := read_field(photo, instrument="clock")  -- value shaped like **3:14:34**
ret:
**11:29:20**
